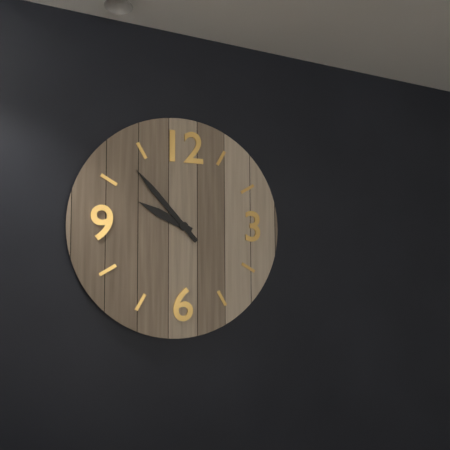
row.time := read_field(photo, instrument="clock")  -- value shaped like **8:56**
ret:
**9:53**
